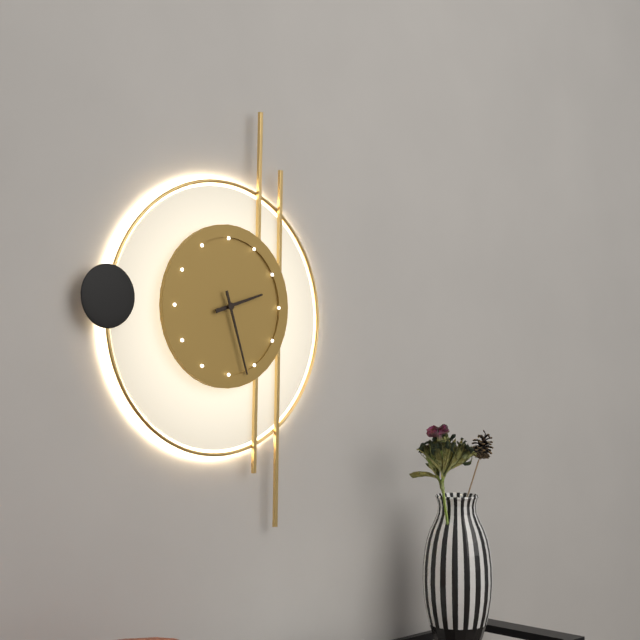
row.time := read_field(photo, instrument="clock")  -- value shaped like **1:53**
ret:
**2:27**
